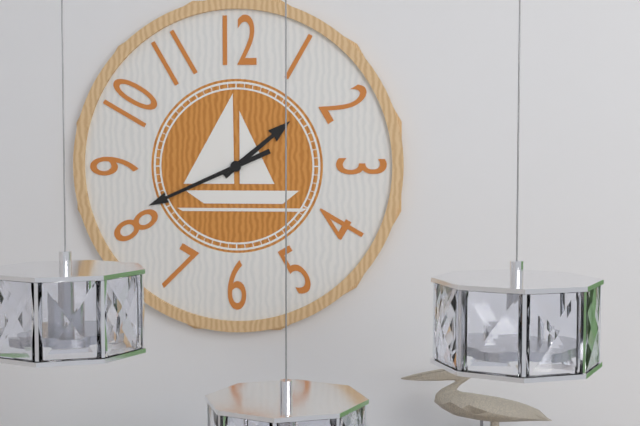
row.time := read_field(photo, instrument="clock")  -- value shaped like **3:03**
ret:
**1:41**
